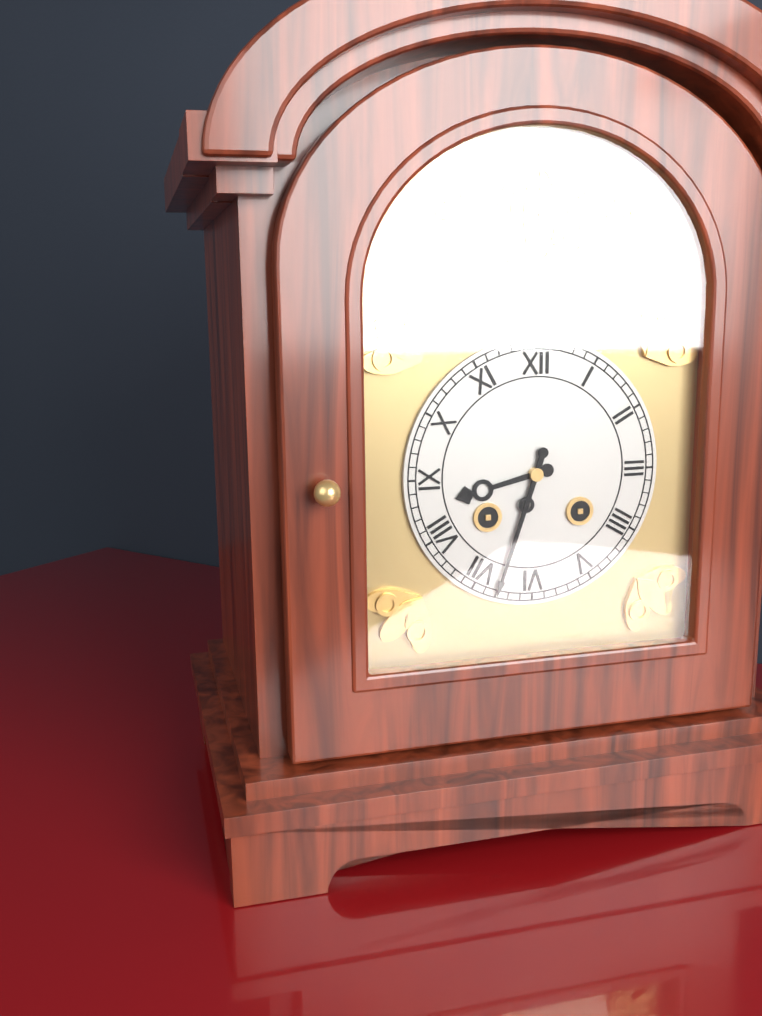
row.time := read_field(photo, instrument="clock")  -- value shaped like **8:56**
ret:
**8:33**
